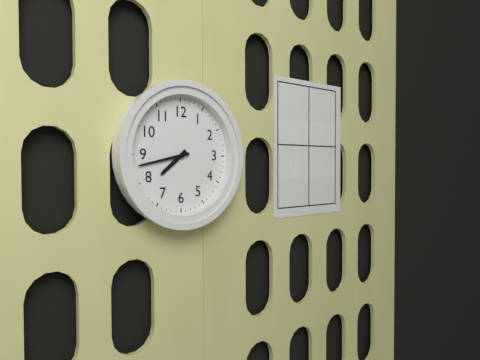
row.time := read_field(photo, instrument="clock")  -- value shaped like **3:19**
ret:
**7:43**
